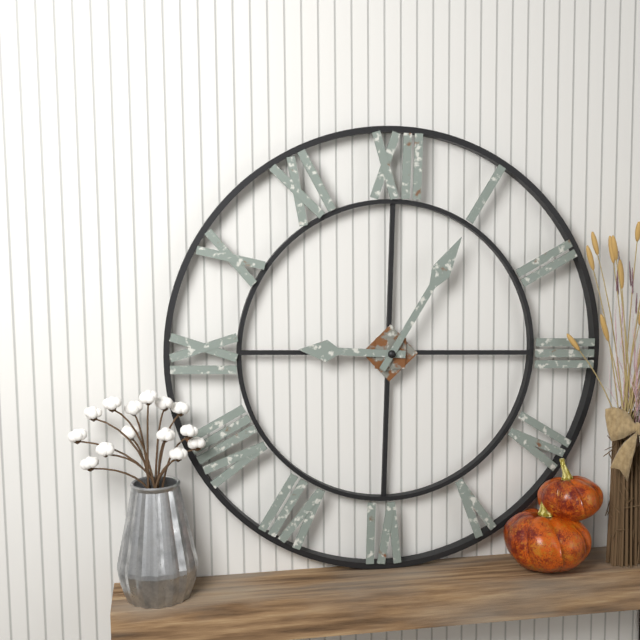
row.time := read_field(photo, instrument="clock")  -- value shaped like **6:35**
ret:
**9:05**
